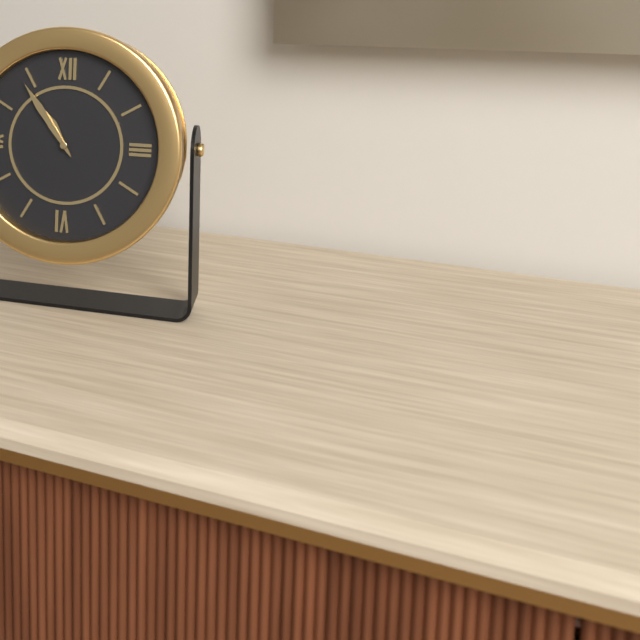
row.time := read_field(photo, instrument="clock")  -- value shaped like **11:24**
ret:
**10:54**
